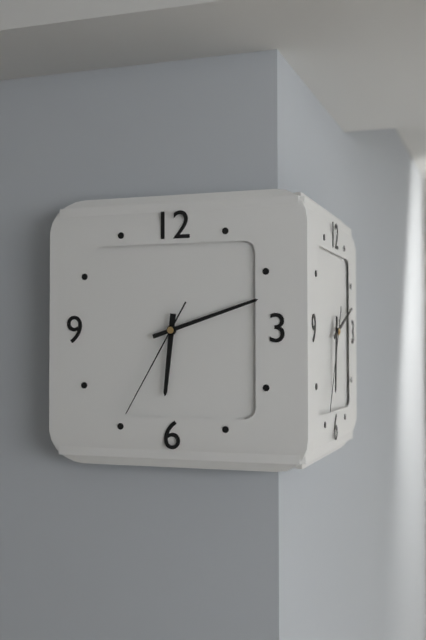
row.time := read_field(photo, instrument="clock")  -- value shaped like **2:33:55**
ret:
**6:12:35**
